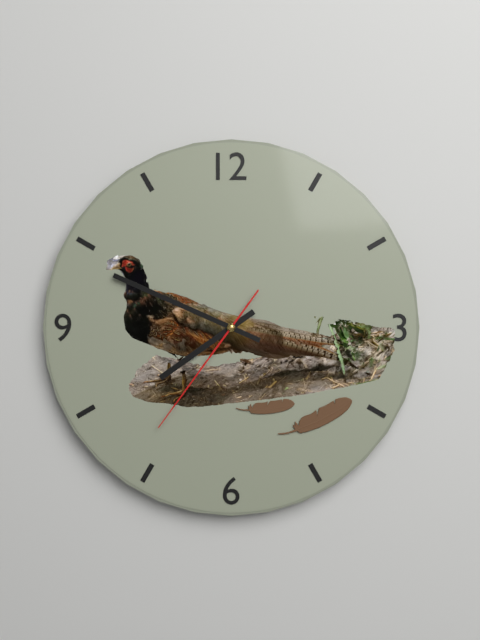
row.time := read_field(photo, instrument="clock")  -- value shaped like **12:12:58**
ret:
**7:49:36**
